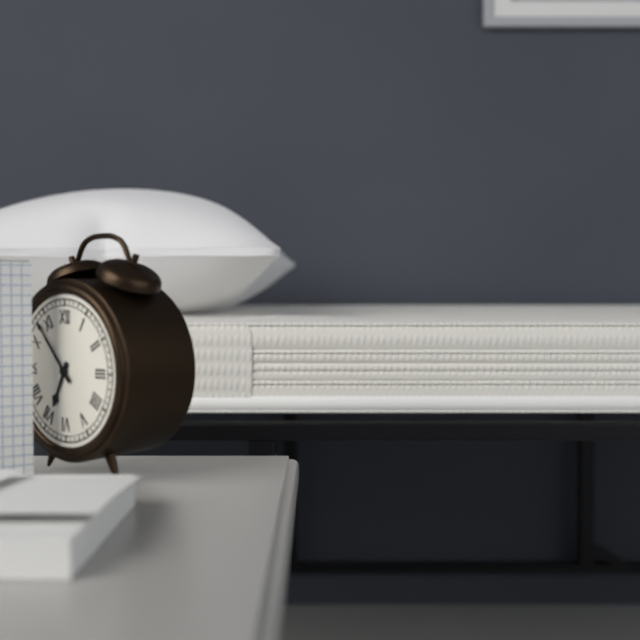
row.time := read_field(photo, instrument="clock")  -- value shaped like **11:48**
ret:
**6:53**
